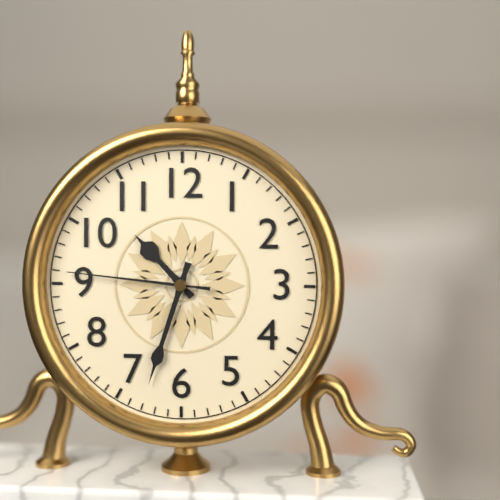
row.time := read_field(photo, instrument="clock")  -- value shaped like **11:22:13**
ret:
**10:33:46**
